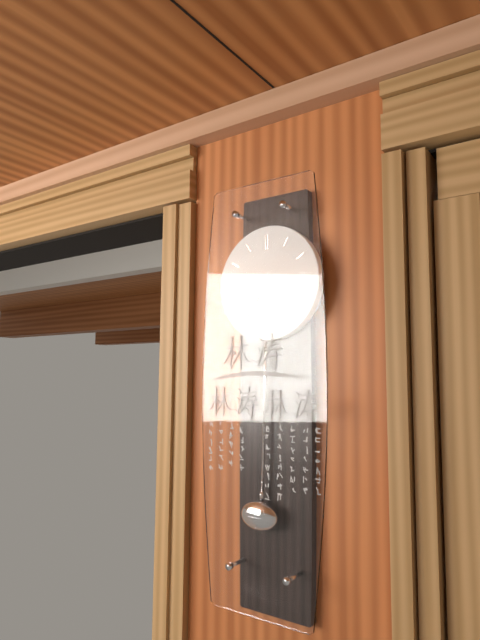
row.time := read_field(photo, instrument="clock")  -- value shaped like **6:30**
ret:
**7:36**
